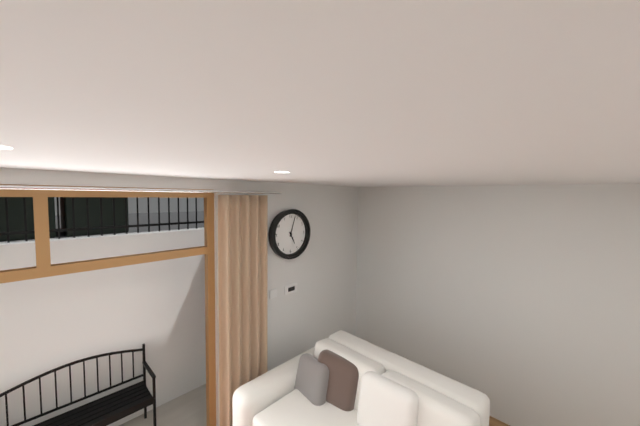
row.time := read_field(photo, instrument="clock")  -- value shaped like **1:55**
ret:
**5:03**
